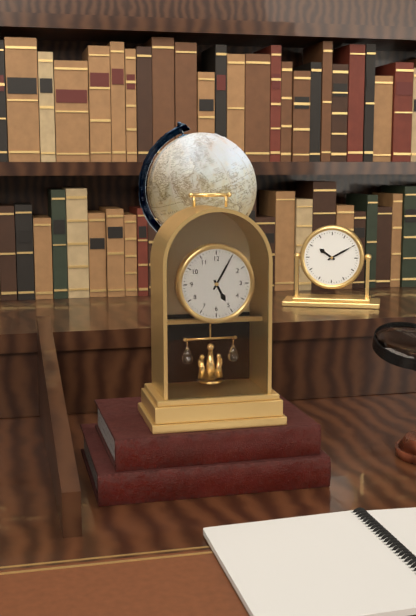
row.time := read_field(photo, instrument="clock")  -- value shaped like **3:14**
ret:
**5:05**
